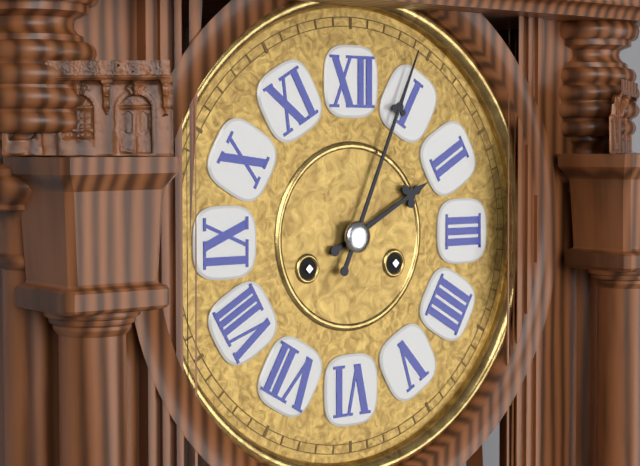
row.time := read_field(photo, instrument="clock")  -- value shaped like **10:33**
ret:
**2:04**
